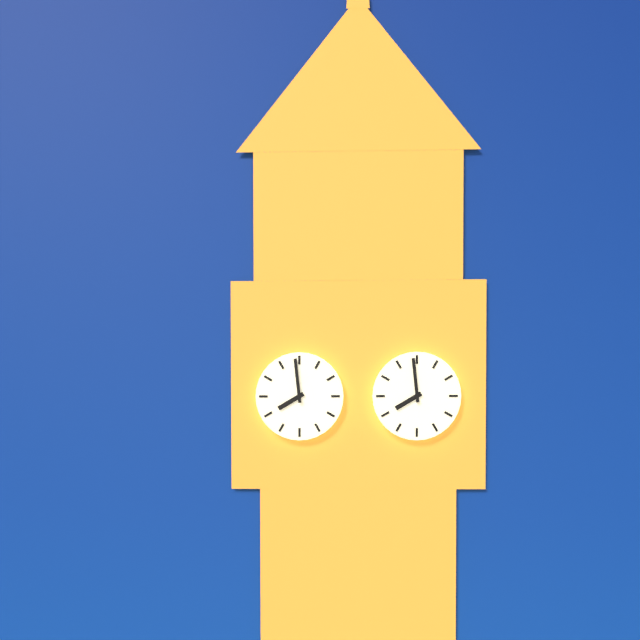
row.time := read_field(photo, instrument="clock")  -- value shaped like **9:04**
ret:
**7:59**
